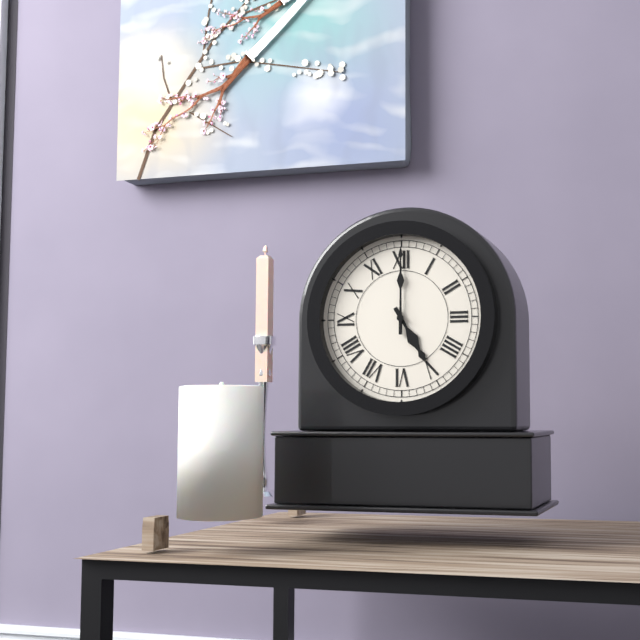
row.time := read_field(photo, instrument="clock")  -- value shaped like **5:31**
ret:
**5:00**
